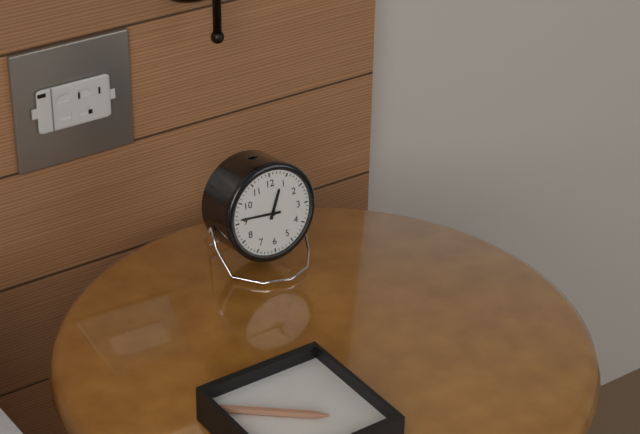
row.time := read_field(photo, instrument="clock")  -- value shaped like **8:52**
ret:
**12:46**
